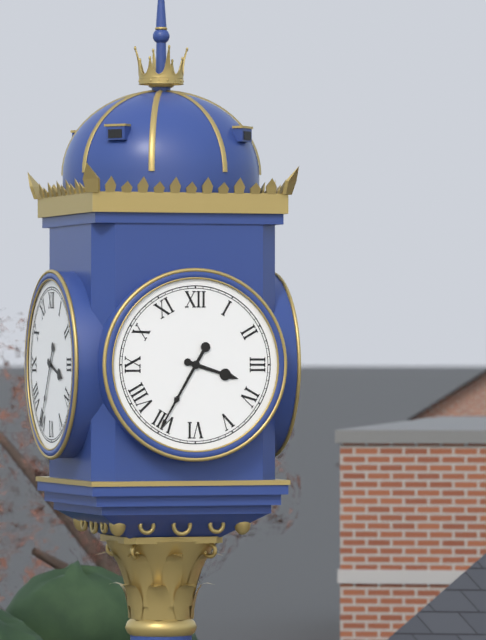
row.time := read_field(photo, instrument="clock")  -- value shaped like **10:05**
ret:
**3:35**
